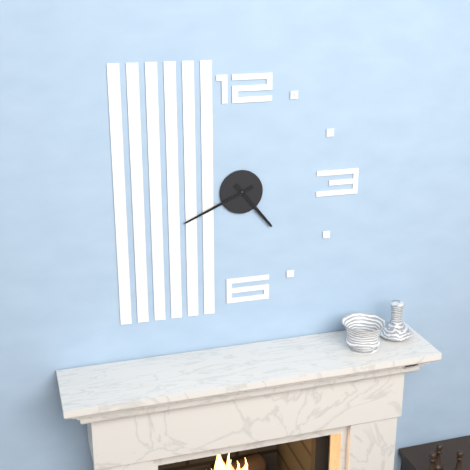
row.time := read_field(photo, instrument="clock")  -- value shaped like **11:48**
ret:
**4:41**
